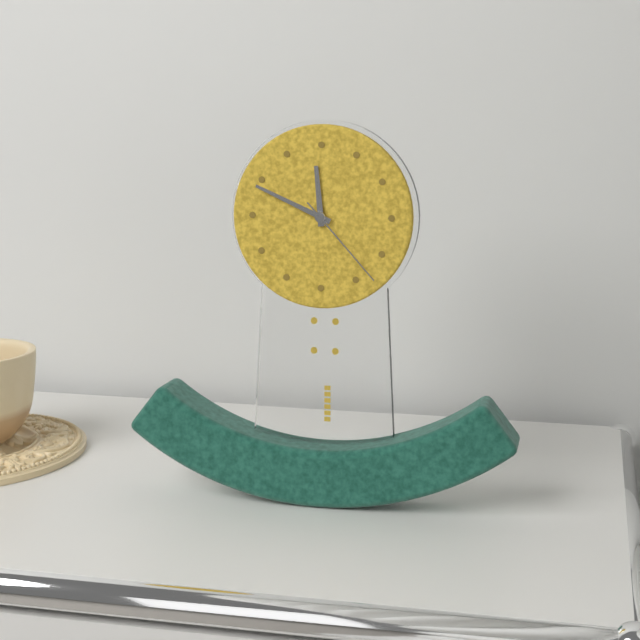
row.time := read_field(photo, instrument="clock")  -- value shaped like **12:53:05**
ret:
**11:49:23**
